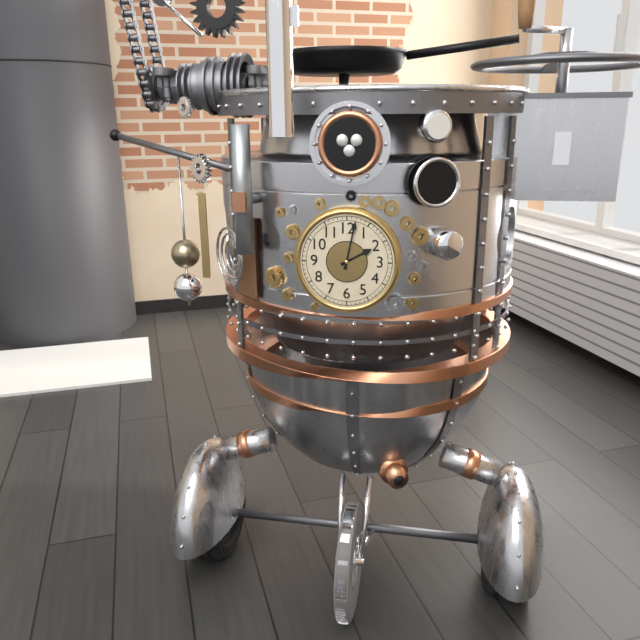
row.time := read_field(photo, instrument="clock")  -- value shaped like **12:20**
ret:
**2:02**
